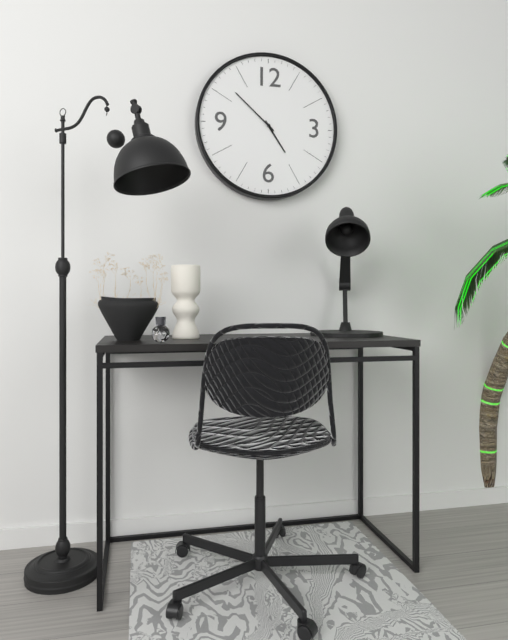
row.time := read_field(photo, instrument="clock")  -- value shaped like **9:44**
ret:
**4:52**
